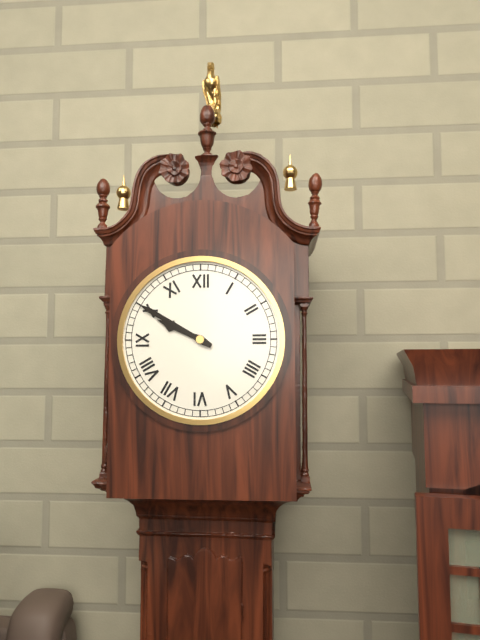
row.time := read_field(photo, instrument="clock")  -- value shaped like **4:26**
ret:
**9:50**
